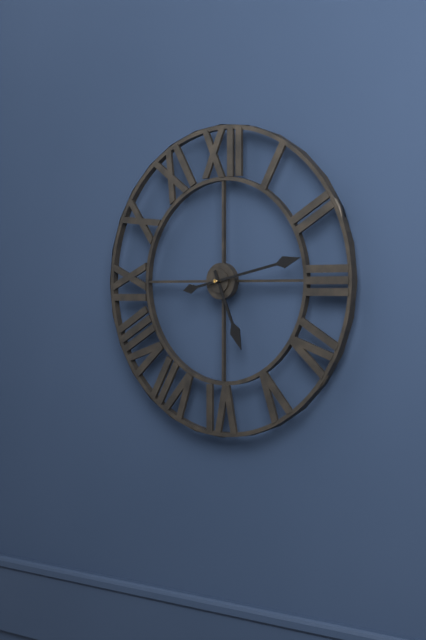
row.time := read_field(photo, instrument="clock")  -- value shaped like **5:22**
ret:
**5:13**
